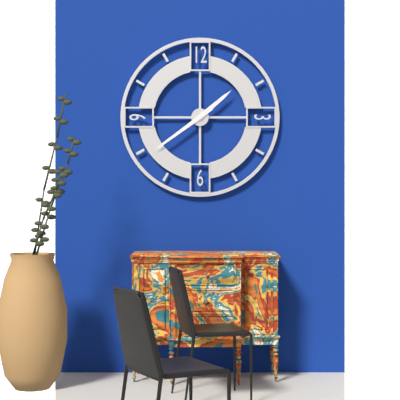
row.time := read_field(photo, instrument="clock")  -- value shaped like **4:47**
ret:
**1:39**
